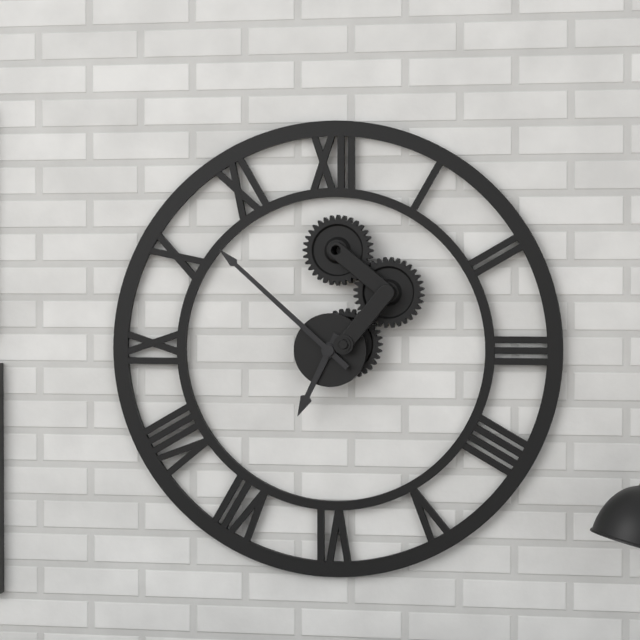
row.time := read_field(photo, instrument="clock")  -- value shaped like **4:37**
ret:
**6:52**
